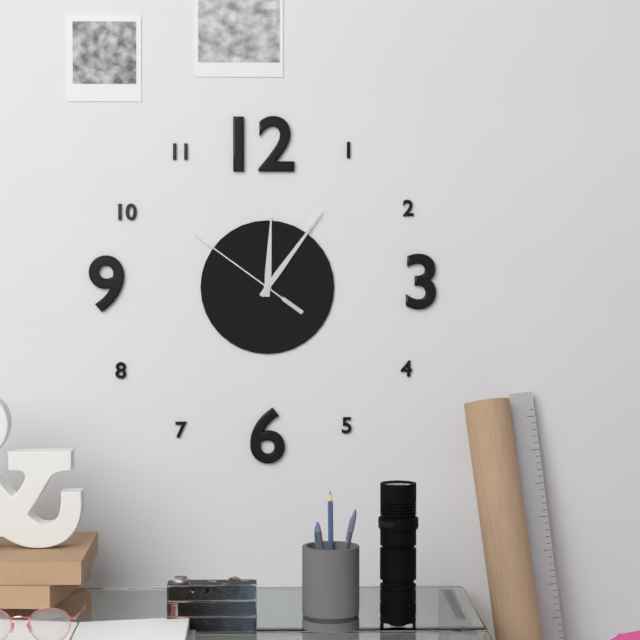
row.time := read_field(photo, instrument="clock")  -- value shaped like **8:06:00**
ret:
**12:06:51**
